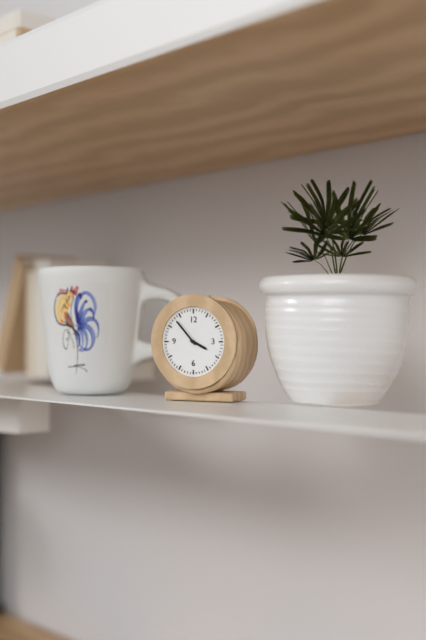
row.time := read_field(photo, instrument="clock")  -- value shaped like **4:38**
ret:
**3:53**
